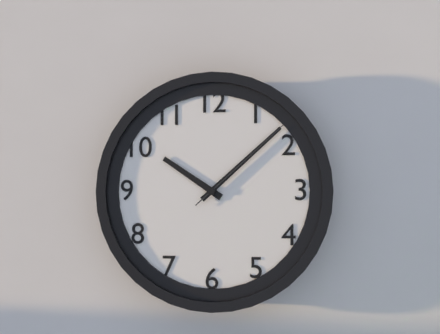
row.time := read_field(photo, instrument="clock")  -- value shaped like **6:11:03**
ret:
**10:08:08**
